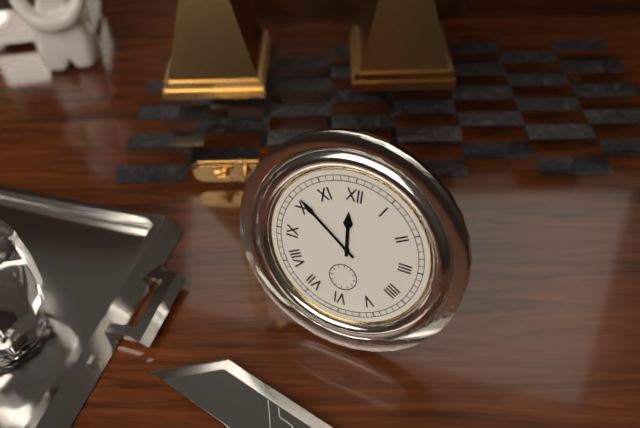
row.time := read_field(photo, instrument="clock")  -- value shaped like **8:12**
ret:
**11:51**
